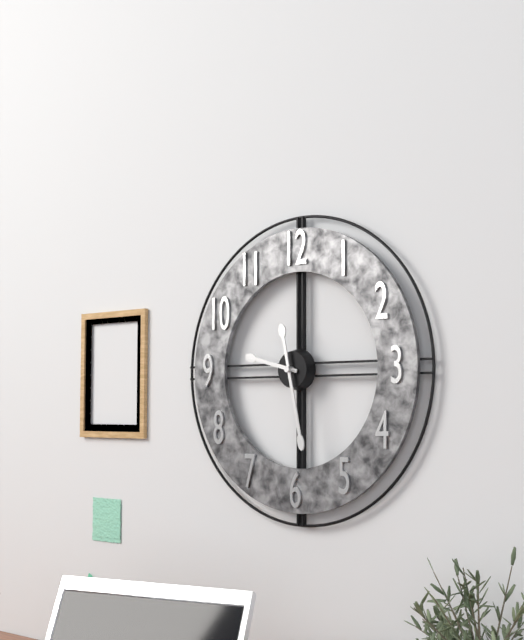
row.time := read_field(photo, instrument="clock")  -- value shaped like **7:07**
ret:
**9:28**
